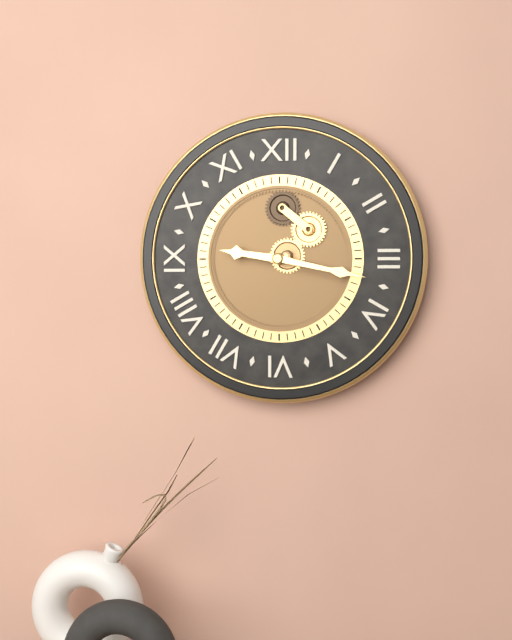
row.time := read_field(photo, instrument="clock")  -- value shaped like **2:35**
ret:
**9:17**
